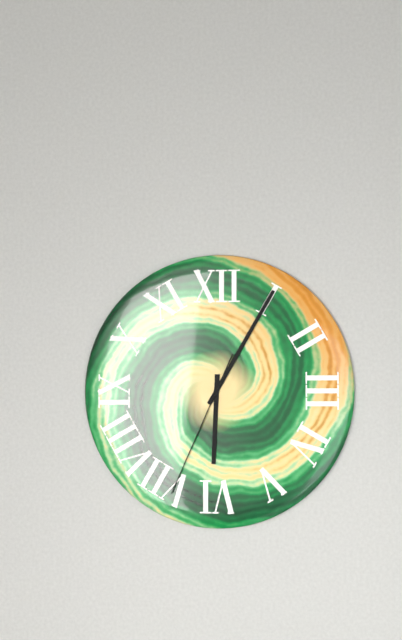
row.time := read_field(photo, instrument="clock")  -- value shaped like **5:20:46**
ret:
**6:05:34**
